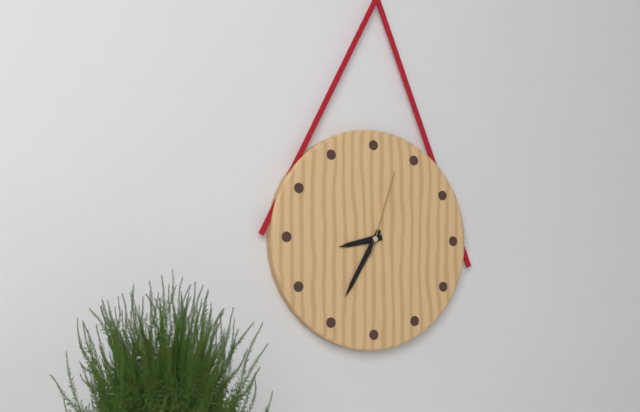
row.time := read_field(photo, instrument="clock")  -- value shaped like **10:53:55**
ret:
**8:35:03**
